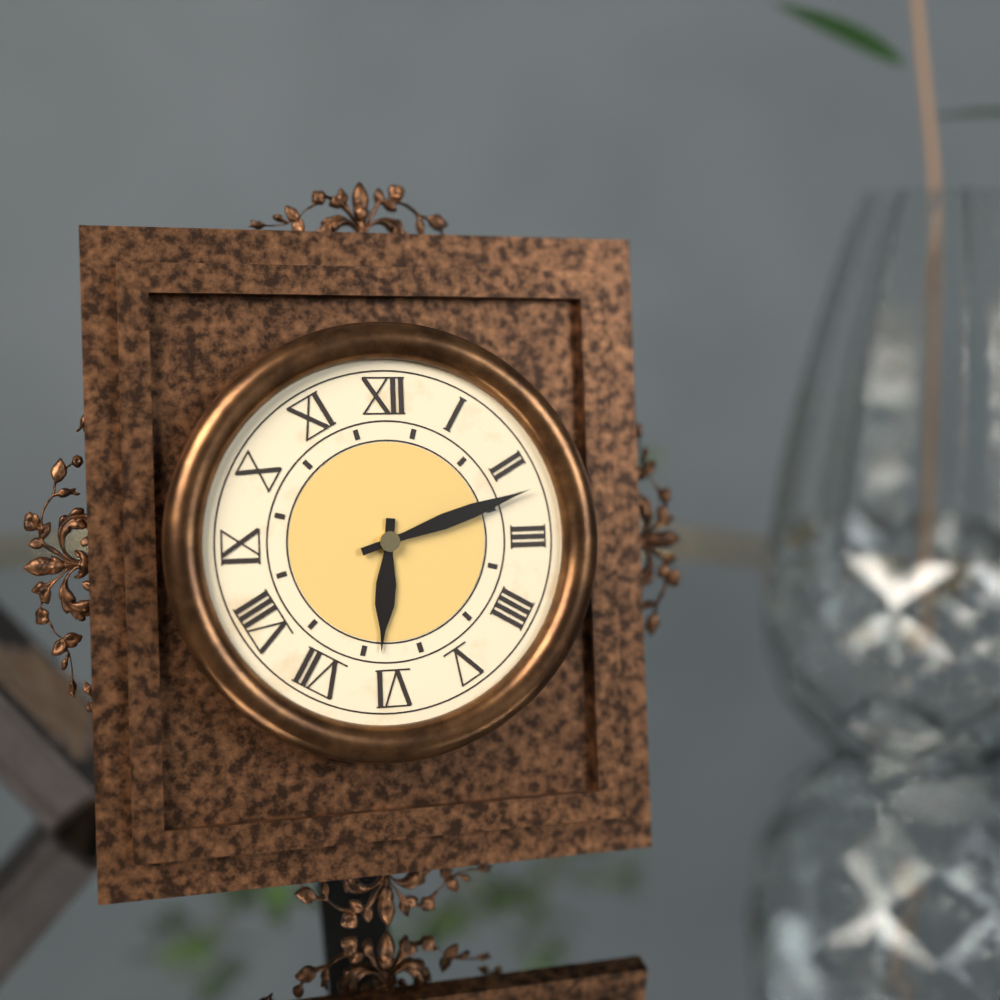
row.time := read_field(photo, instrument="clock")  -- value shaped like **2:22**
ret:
**6:12**
